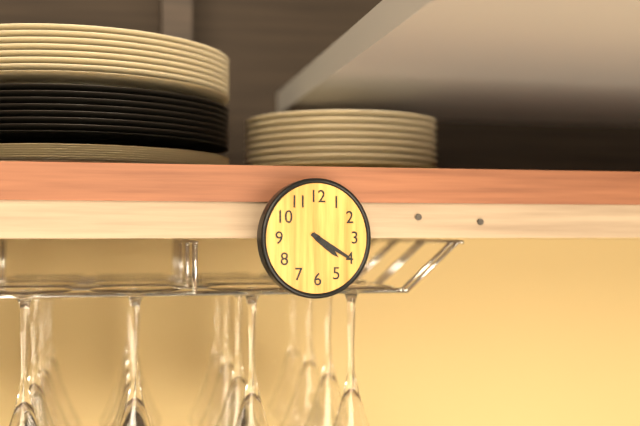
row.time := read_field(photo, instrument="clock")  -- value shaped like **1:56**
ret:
**4:20**
